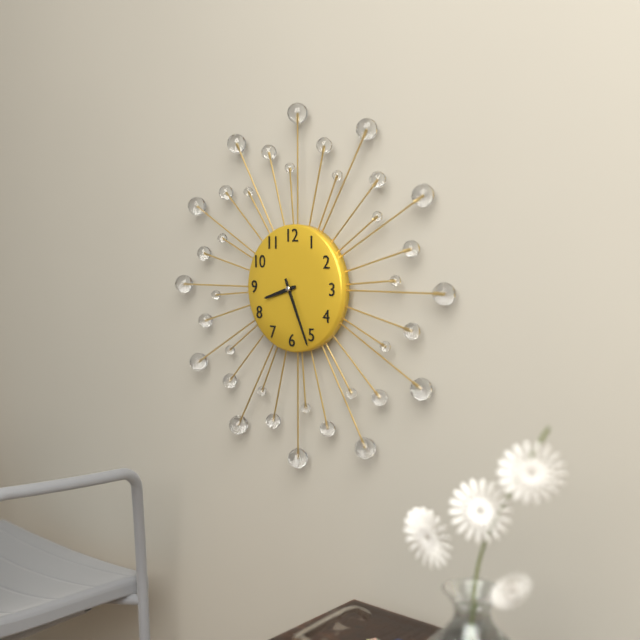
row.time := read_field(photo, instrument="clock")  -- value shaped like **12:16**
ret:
**8:26**
